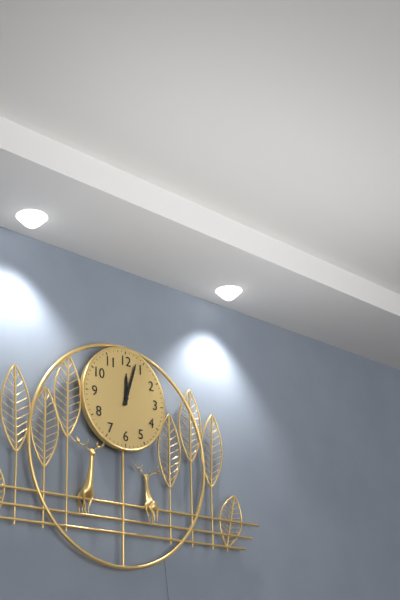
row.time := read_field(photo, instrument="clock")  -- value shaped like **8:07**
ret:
**12:03**
